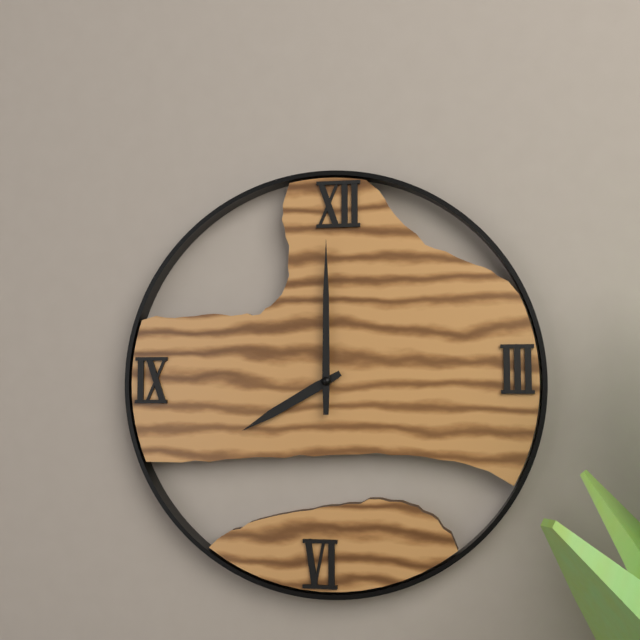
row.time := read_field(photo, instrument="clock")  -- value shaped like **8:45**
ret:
**8:00**
